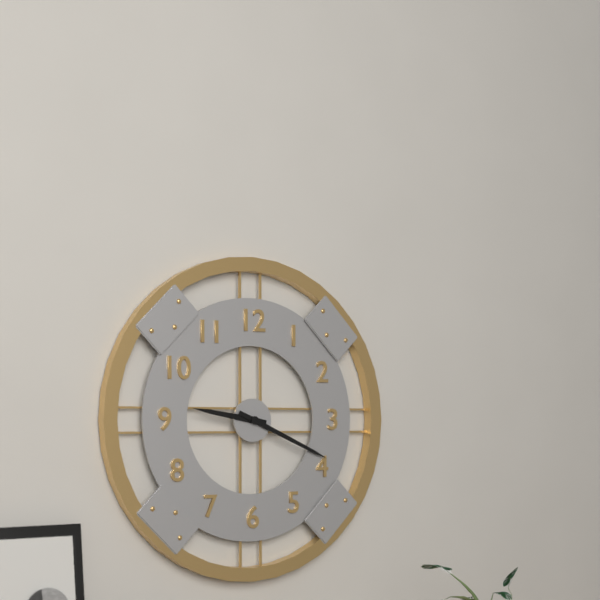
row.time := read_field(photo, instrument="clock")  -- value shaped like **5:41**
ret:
**9:19**
